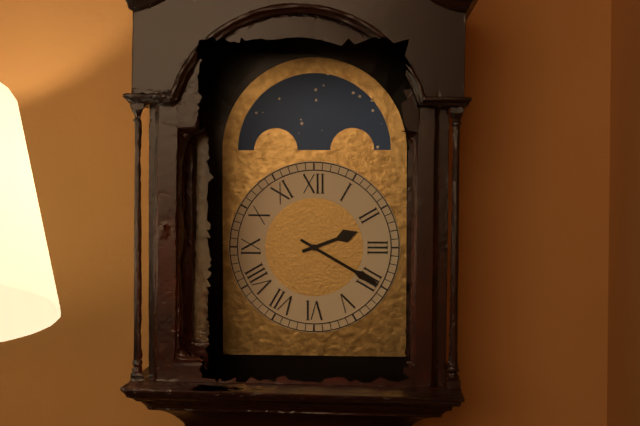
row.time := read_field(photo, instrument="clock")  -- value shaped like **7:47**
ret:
**2:20**
